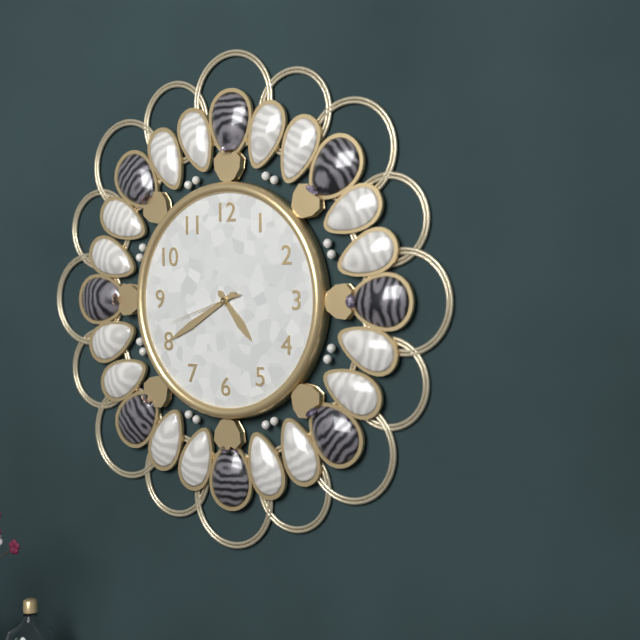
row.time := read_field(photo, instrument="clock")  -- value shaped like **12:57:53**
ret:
**4:40:42**
